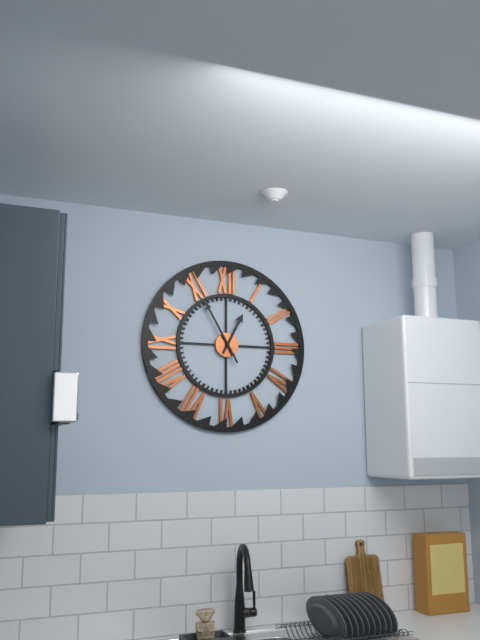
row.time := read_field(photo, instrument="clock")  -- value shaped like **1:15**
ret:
**12:55**
